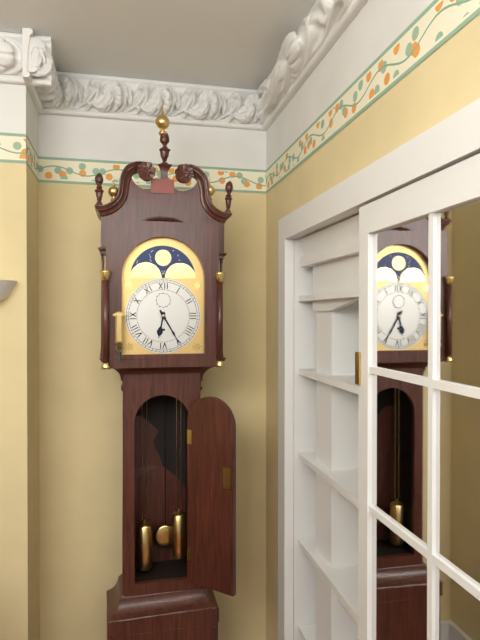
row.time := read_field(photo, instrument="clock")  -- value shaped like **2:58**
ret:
**6:25**
